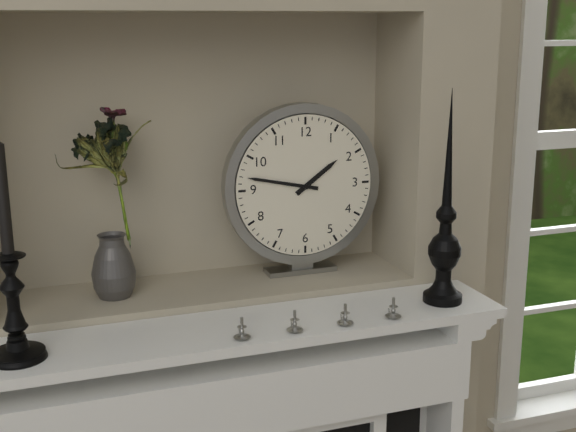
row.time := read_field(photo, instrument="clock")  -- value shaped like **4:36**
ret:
**1:47**
